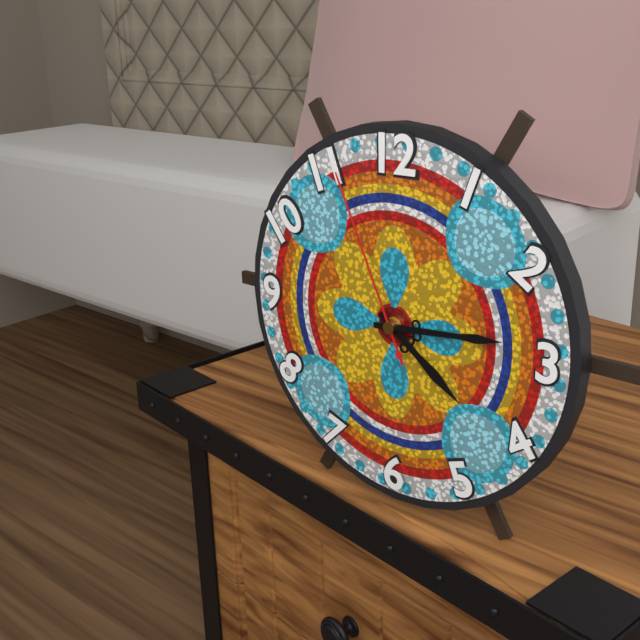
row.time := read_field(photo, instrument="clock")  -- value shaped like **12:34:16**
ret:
**4:14:56**
